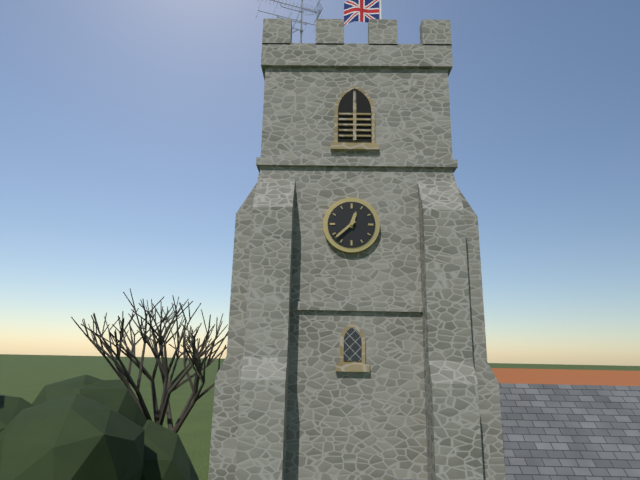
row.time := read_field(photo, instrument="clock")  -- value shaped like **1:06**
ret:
**12:38**
